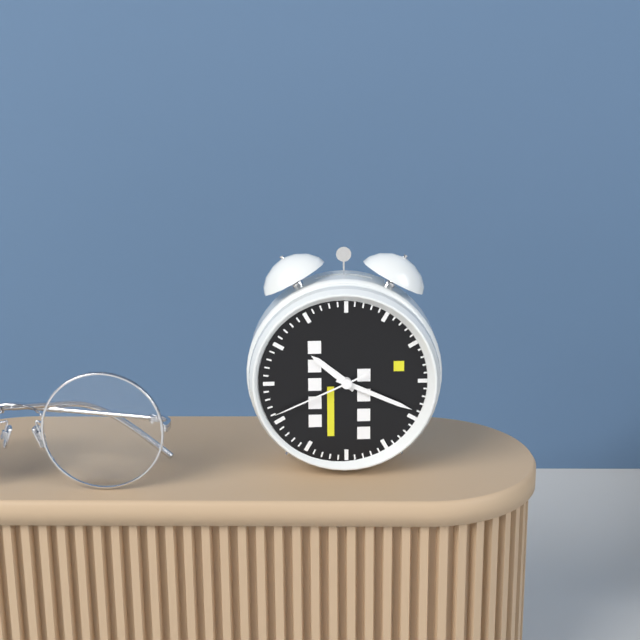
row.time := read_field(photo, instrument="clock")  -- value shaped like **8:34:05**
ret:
**10:19:41**
